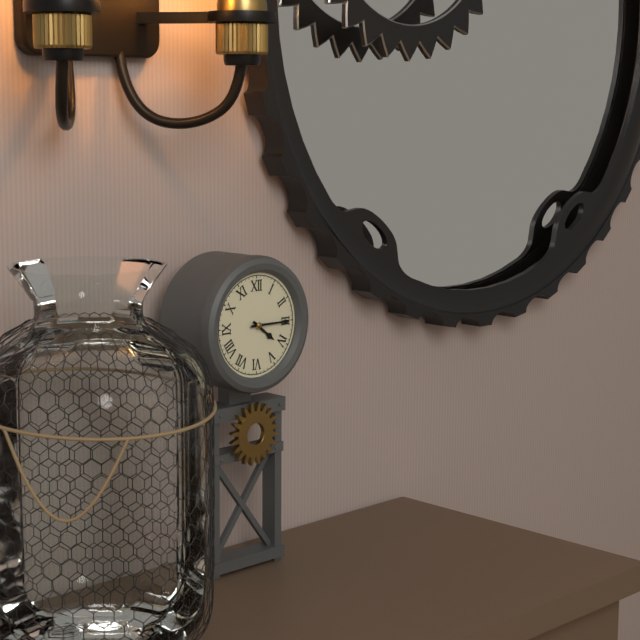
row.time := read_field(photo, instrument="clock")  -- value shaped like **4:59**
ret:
**4:15**
